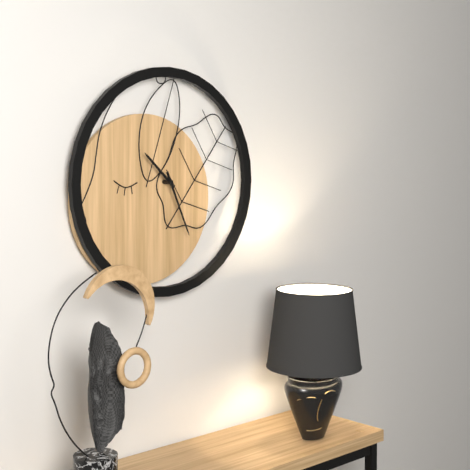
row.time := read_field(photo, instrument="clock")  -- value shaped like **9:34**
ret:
**10:26**
